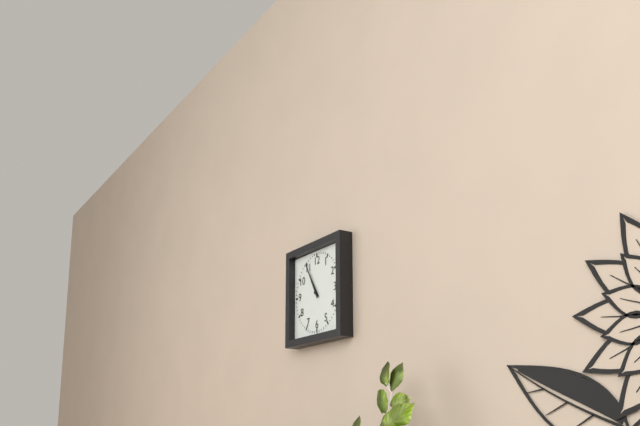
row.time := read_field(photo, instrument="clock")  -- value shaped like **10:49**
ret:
**10:55**
